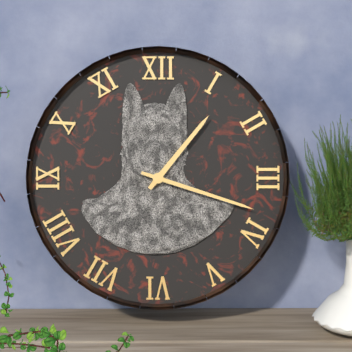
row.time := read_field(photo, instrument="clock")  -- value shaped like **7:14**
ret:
**1:18**
